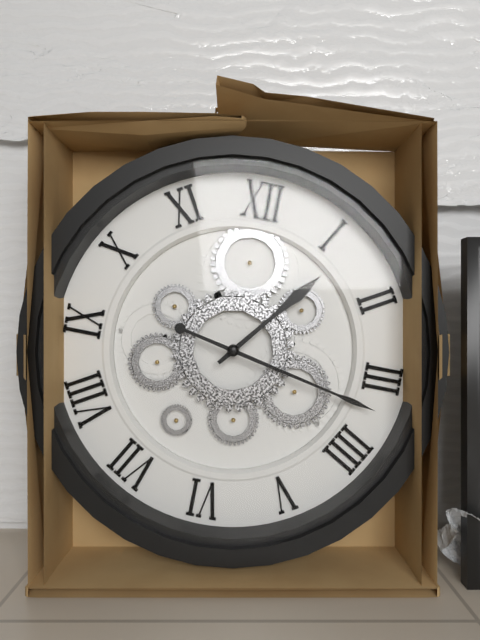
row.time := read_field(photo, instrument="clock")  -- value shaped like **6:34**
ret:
**1:17**
